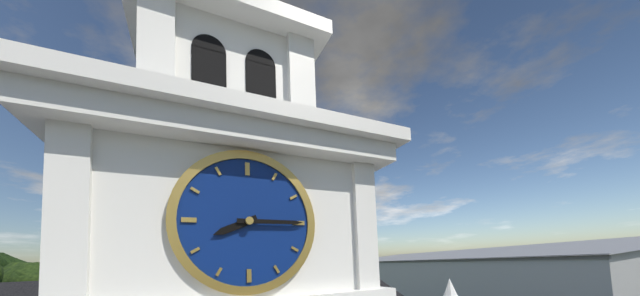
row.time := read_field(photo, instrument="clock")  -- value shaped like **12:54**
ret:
**8:15**
